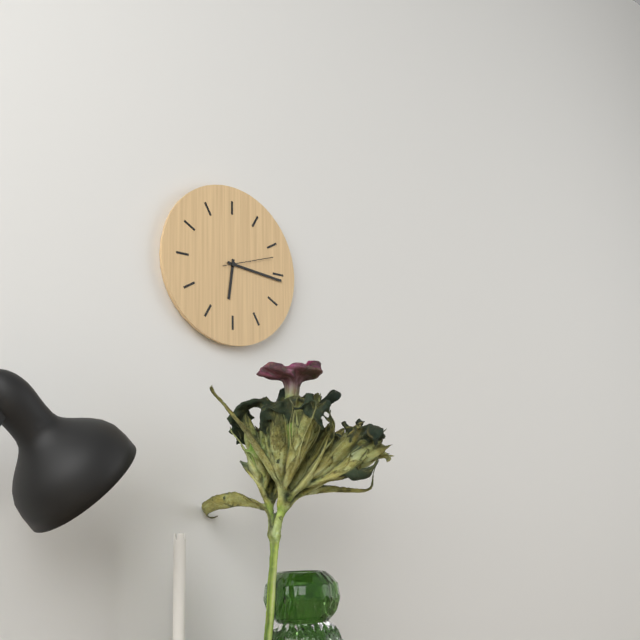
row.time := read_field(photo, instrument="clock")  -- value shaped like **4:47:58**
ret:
**6:16:12**
